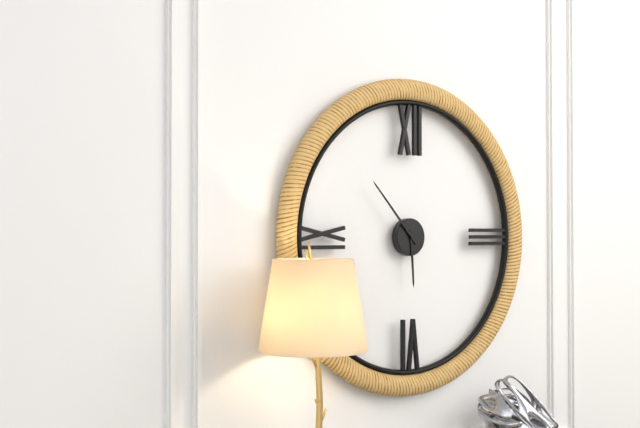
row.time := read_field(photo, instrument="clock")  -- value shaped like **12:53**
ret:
**5:53**
